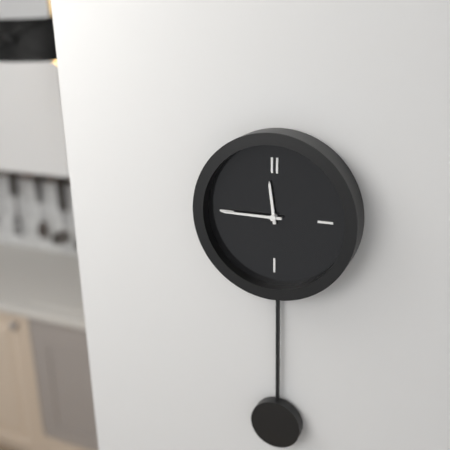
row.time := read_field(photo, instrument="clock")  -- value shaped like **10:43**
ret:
**11:45**
